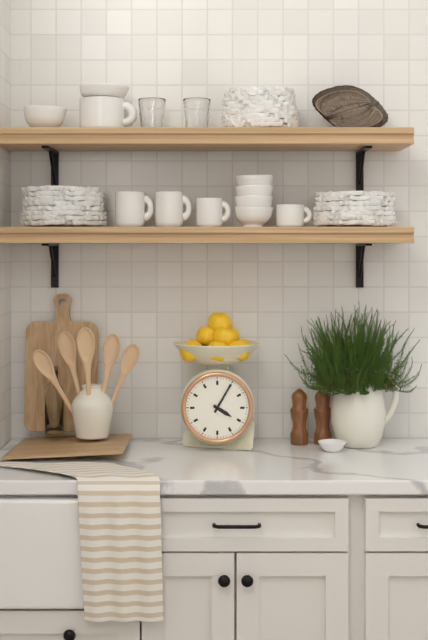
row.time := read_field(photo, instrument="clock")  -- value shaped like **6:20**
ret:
**4:05**
